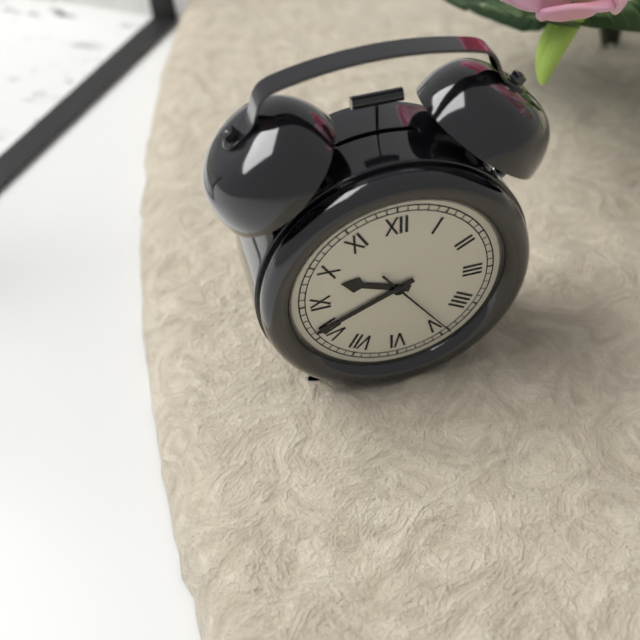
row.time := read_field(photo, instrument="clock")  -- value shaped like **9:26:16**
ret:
**9:41:24**
